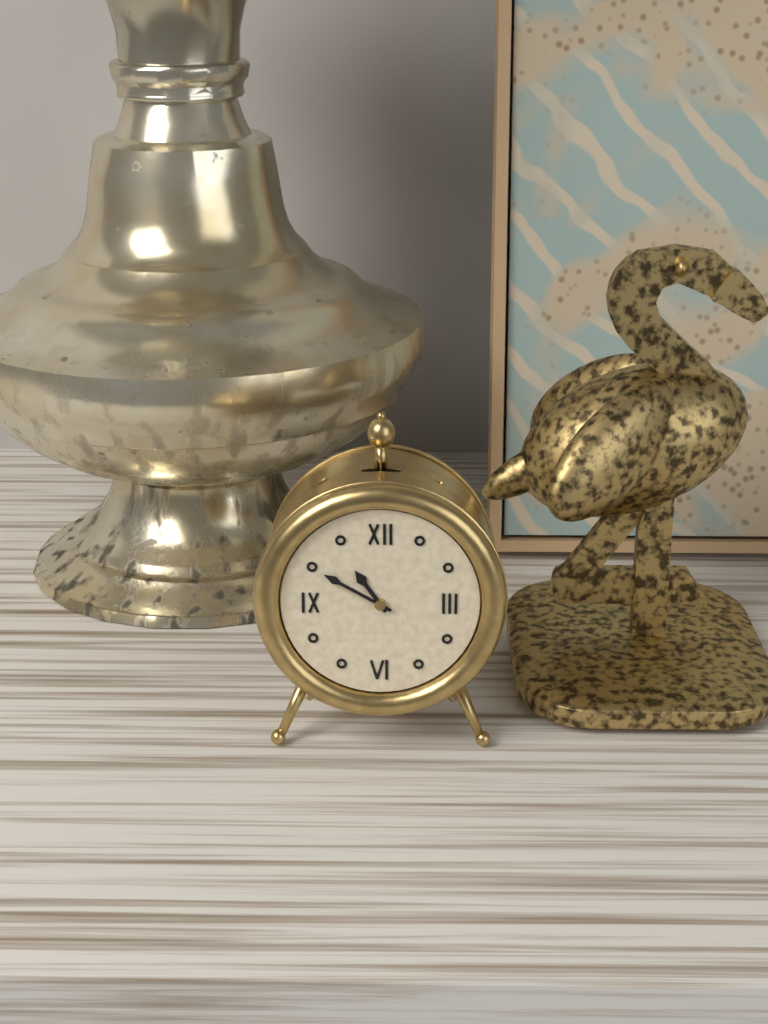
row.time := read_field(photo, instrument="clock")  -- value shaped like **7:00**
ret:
**10:50**
